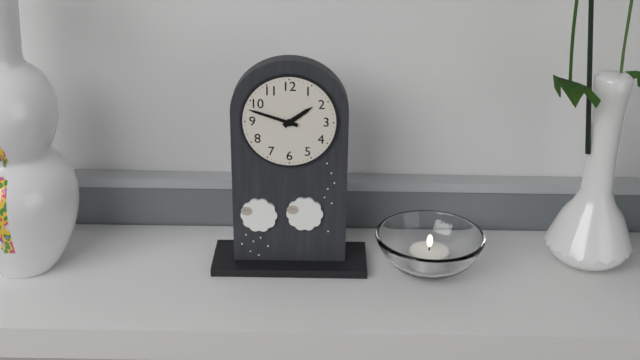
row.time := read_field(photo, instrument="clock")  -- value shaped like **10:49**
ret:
**1:48**
